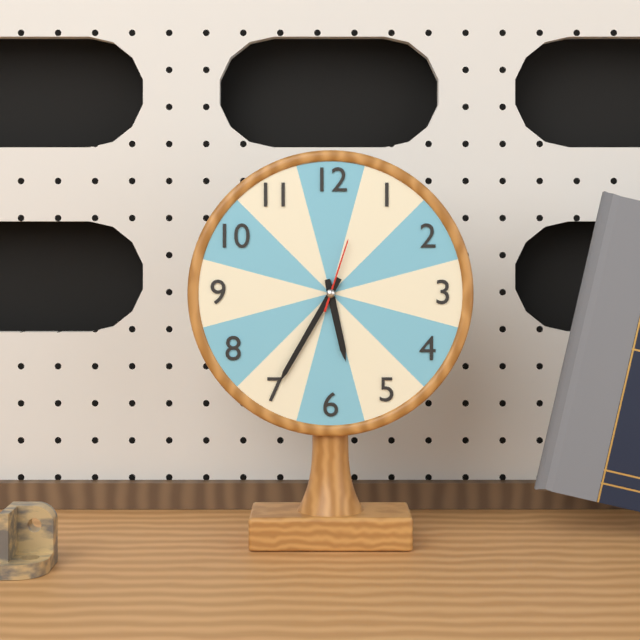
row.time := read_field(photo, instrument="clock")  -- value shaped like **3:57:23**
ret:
**5:35:03**
